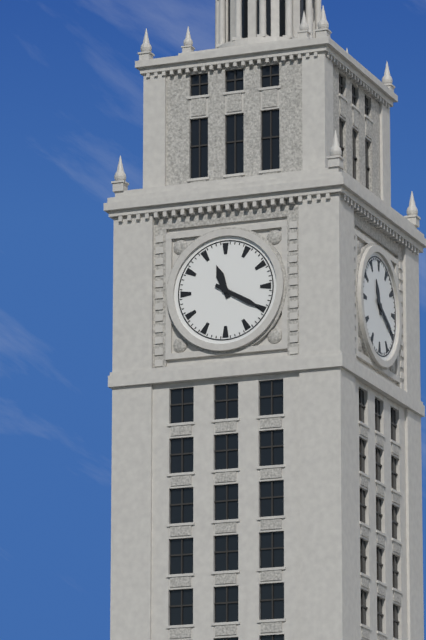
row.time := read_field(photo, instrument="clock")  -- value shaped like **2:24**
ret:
**11:20**
